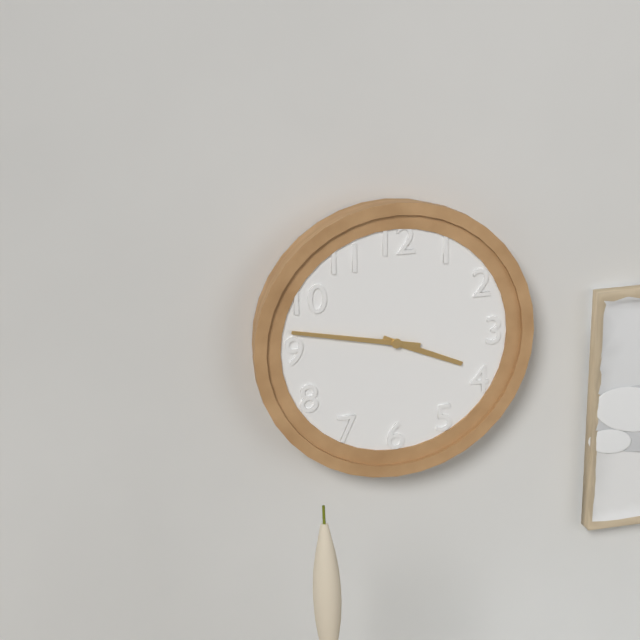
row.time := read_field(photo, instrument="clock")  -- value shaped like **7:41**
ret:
**3:47**
